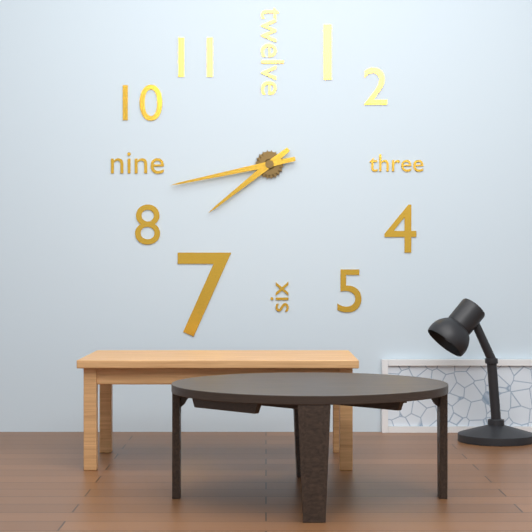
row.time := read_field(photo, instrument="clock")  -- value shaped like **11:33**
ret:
**7:43**
